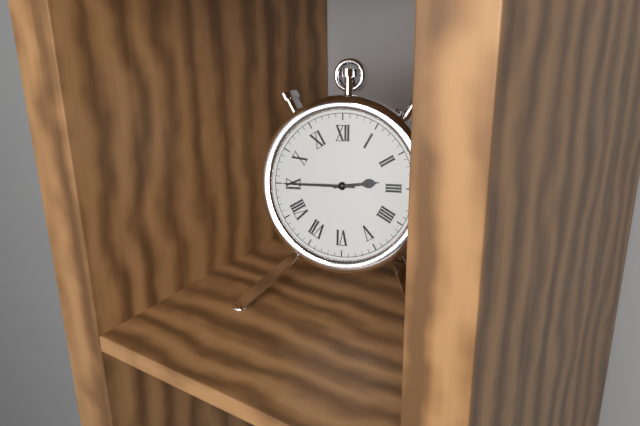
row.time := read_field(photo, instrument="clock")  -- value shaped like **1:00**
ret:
**2:45**
